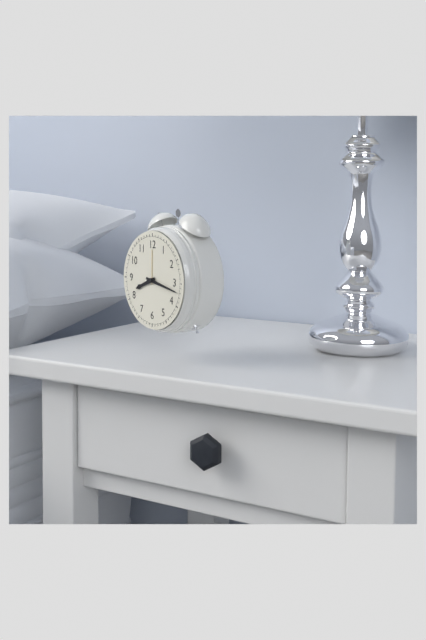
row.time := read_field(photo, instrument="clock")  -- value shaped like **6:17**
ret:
**8:17**
